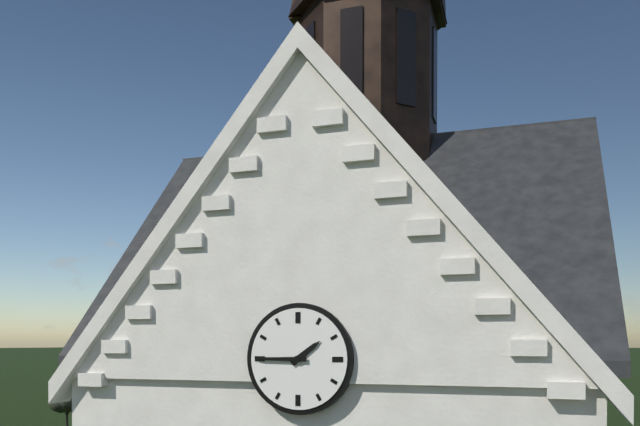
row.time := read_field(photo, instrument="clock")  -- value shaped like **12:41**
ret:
**1:45**
